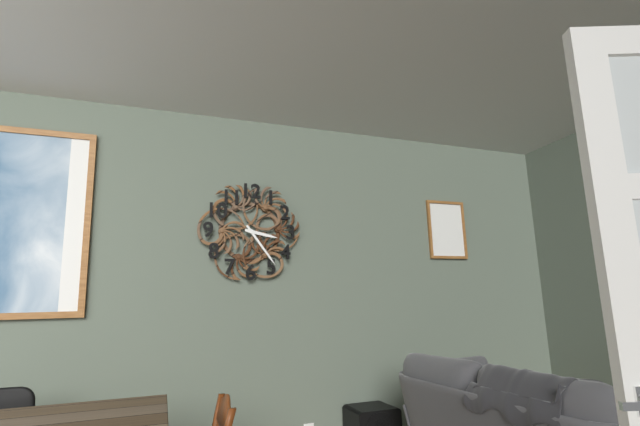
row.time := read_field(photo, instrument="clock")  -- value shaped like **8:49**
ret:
**3:24**
